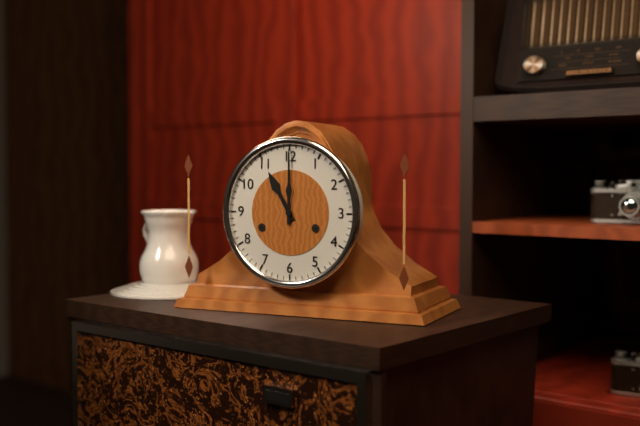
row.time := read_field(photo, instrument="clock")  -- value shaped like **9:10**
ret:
**11:00**
